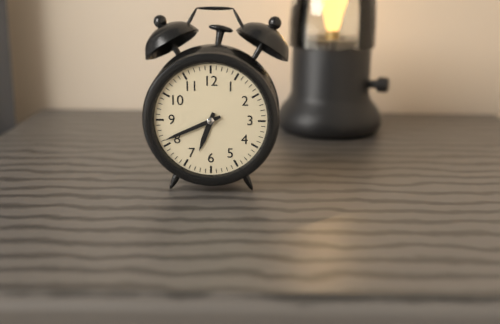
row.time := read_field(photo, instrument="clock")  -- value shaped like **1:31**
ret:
**6:41**
